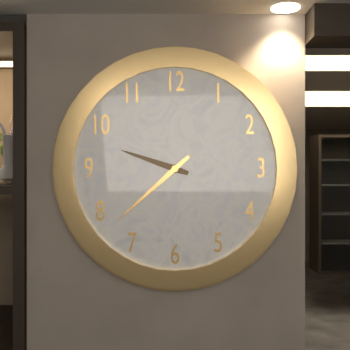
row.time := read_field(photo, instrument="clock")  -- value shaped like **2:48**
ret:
**9:38**
